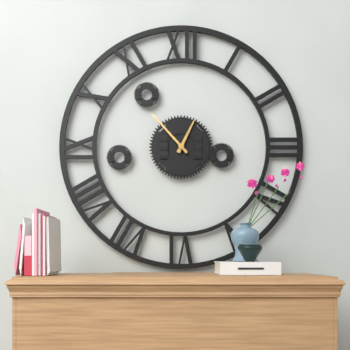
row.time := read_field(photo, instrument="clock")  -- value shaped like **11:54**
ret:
**12:53**
